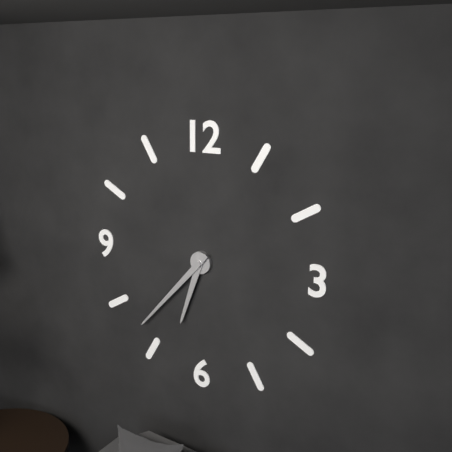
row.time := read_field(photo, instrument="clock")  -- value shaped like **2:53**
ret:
**6:37**
